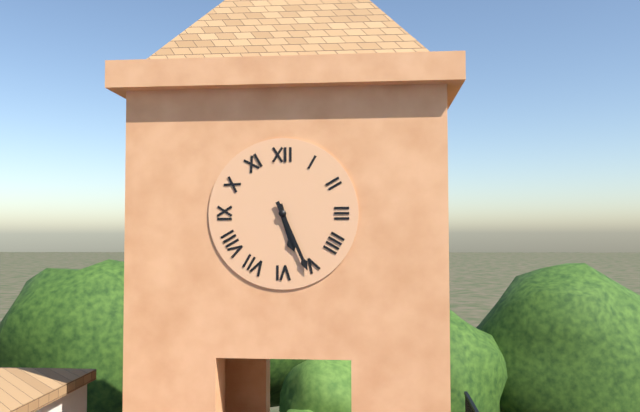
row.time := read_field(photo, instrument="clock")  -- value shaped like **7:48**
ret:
**5:26**
